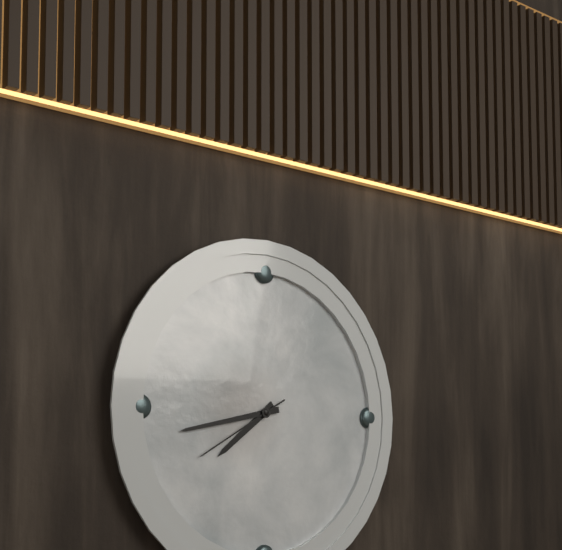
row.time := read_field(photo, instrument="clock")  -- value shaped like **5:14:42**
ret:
**7:43:40**
